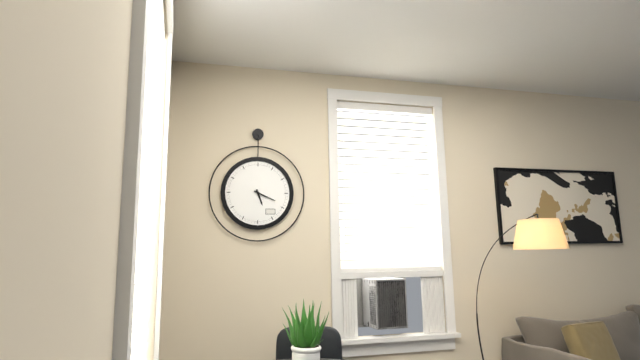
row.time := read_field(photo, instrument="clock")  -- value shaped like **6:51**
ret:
**5:19**
